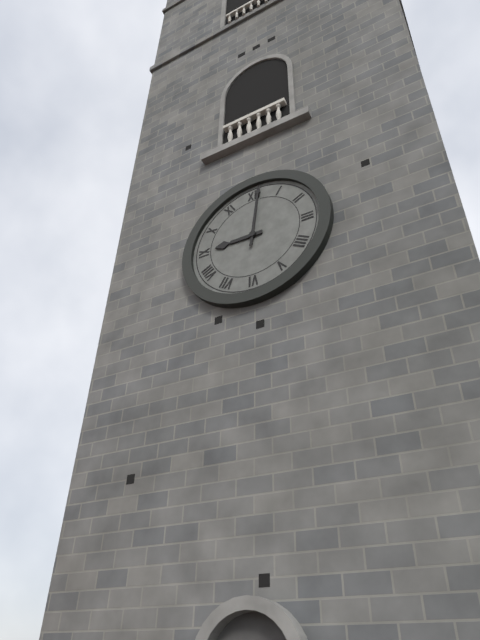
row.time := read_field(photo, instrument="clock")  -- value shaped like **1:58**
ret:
**9:01**
